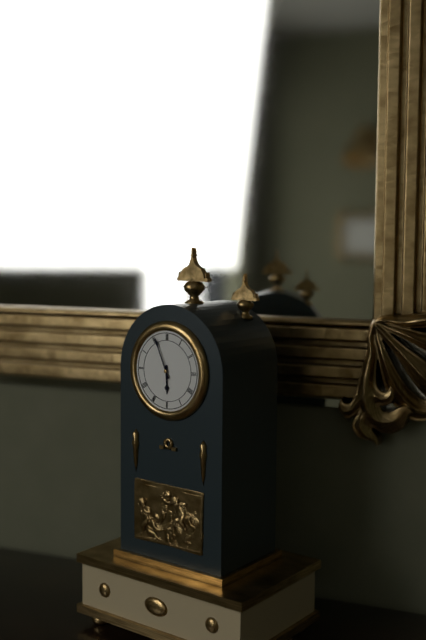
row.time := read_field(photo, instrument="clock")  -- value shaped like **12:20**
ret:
**5:56**
